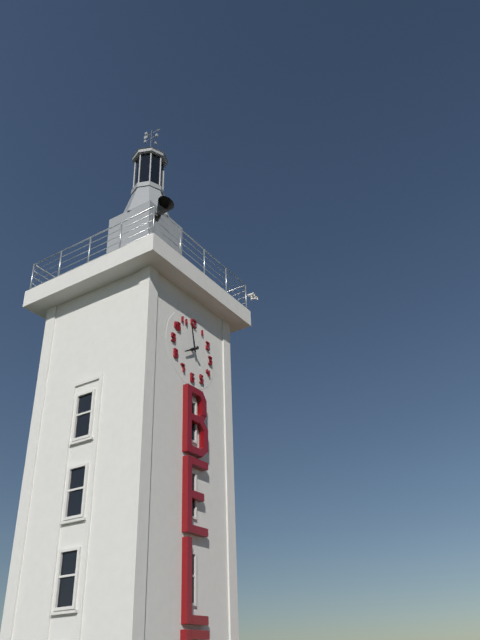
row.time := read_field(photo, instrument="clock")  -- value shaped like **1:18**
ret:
**7:58**
